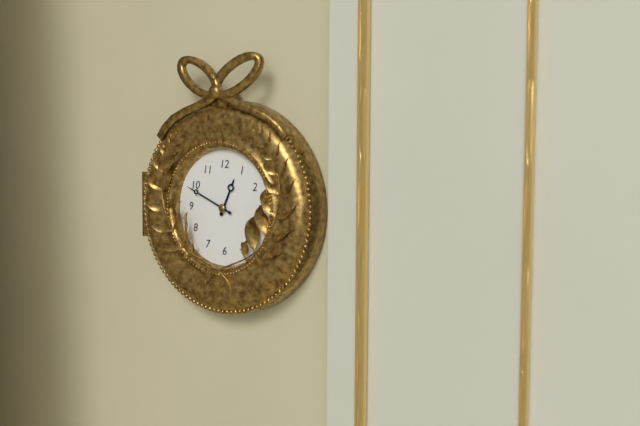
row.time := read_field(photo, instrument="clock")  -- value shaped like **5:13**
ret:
**12:49**
